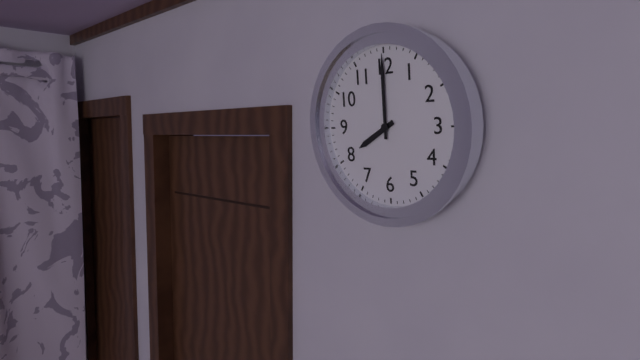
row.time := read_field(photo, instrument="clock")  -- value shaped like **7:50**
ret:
**8:00**
